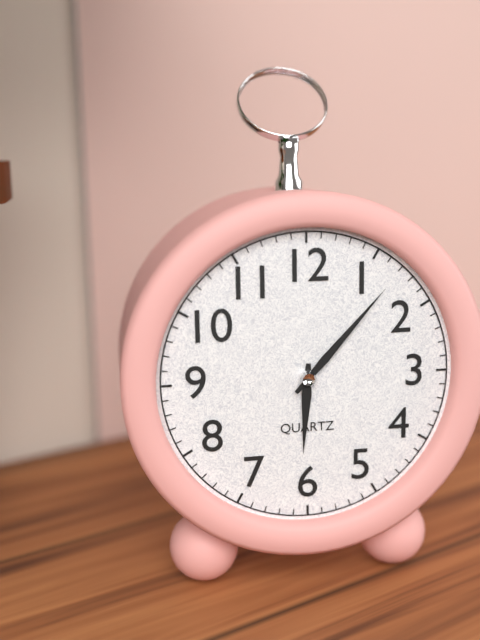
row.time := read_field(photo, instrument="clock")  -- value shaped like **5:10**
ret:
**6:07**
